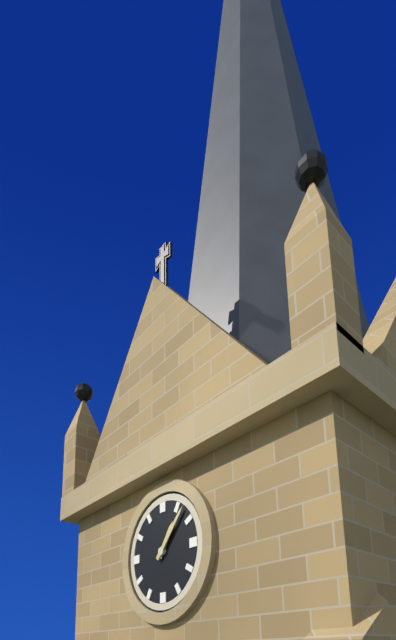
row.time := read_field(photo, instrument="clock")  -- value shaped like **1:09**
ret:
**1:07**
